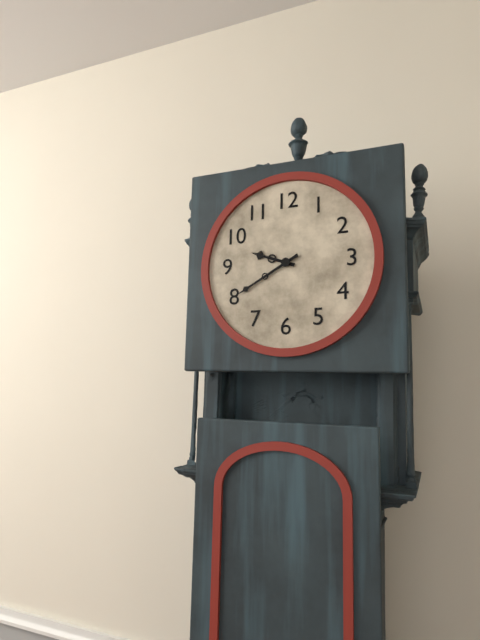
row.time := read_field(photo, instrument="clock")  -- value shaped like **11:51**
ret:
**9:40**
